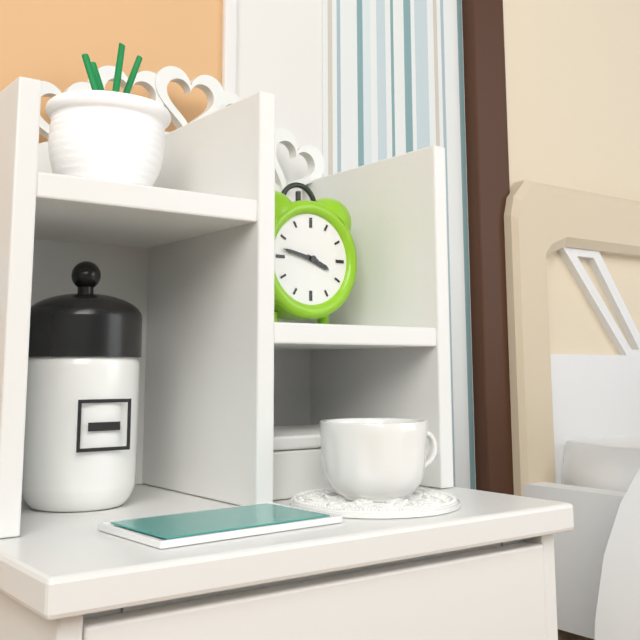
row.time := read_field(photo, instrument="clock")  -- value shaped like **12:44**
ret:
**3:47**
